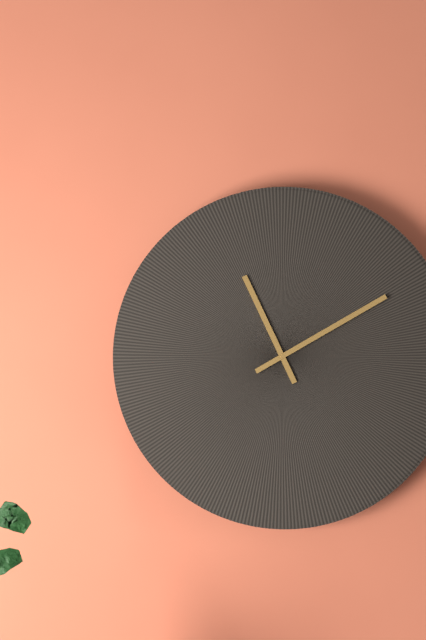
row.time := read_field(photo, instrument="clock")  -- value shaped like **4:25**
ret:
**11:10**
